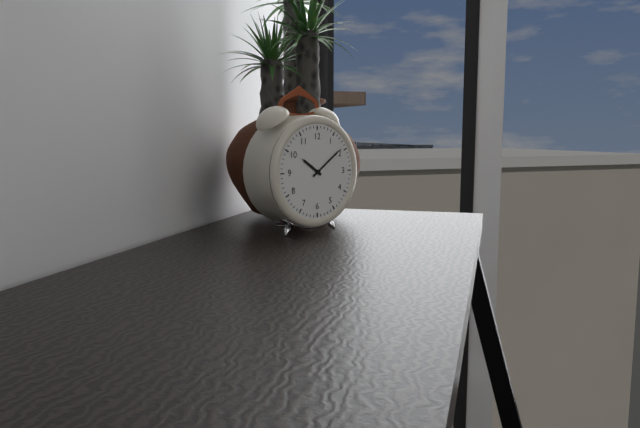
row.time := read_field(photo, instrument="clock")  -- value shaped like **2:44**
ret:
**10:09**
